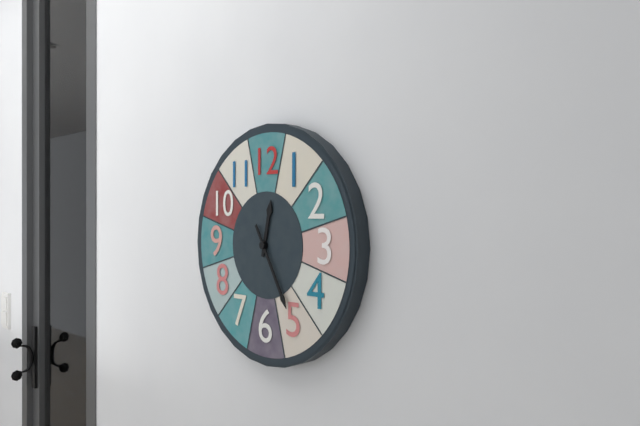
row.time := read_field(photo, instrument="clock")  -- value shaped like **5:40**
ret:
**12:25**
